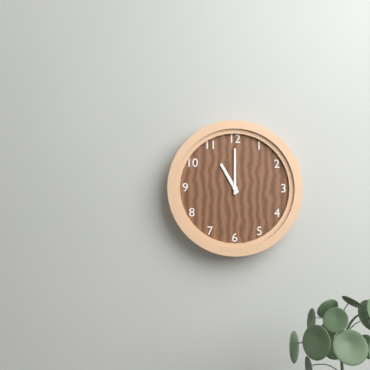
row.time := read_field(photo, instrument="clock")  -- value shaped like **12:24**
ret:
**11:00**
